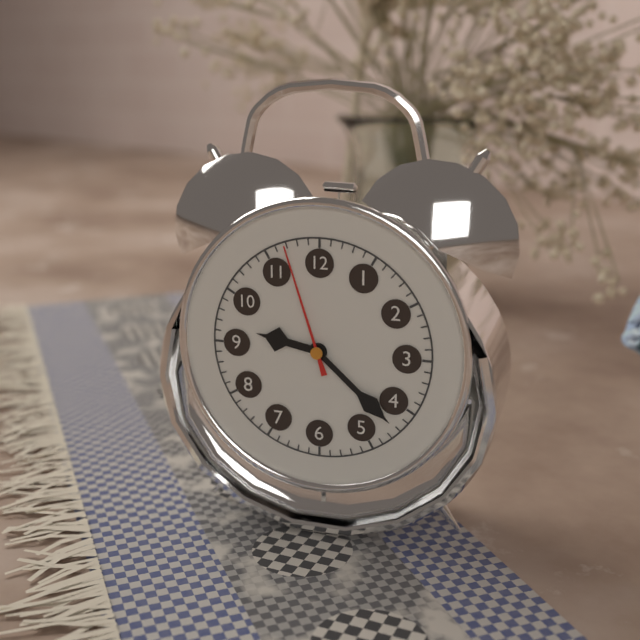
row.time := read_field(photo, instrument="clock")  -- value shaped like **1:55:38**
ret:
**9:22:57**
